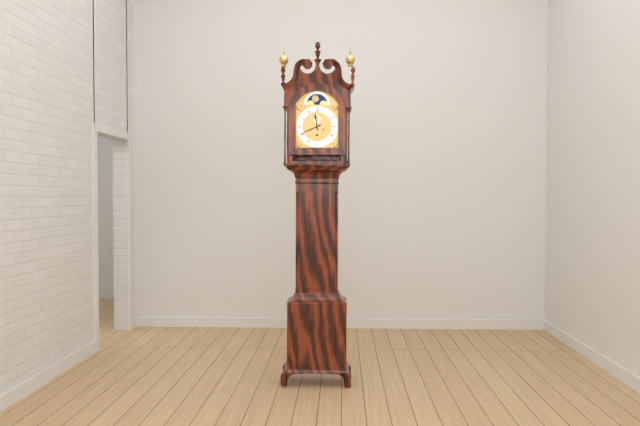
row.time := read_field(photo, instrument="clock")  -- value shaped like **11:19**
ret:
**11:41**
